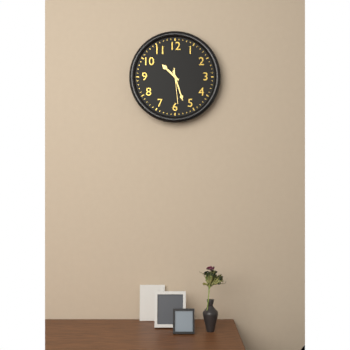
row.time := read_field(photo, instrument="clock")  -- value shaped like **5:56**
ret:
**10:27**
